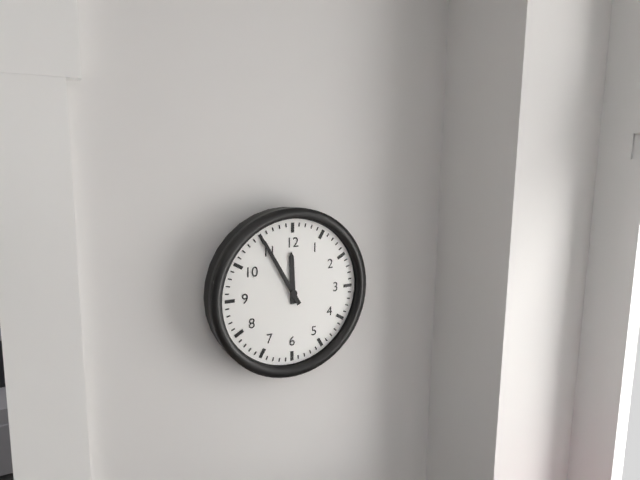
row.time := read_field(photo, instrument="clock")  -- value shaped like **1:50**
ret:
**11:55**
